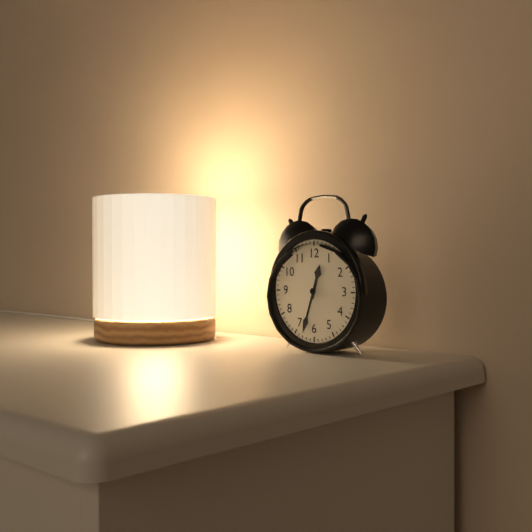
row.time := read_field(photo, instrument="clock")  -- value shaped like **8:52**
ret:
**12:33**
